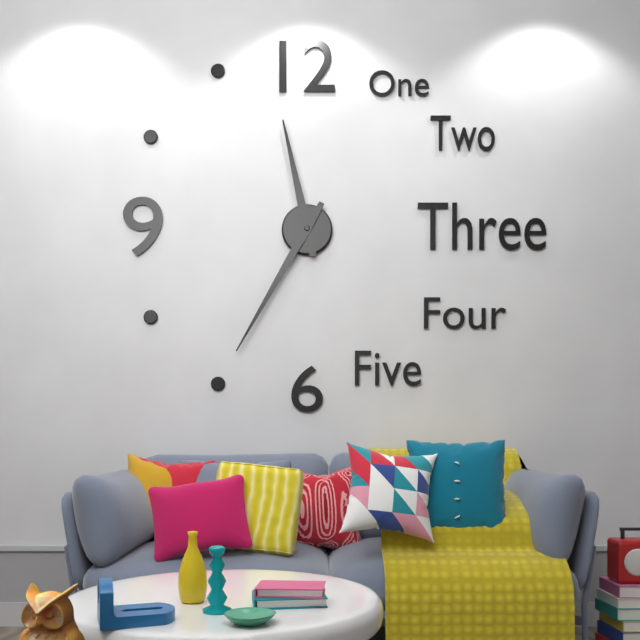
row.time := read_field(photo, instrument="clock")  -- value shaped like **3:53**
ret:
**11:35**
